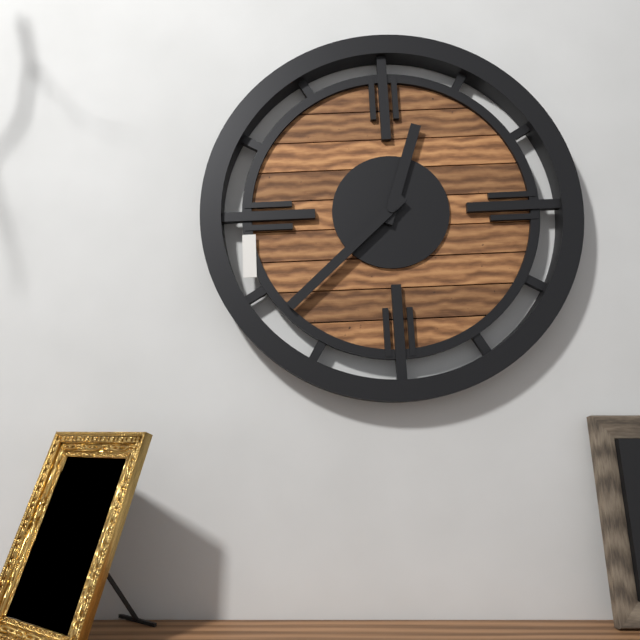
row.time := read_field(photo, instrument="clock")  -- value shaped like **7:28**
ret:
**12:38**
